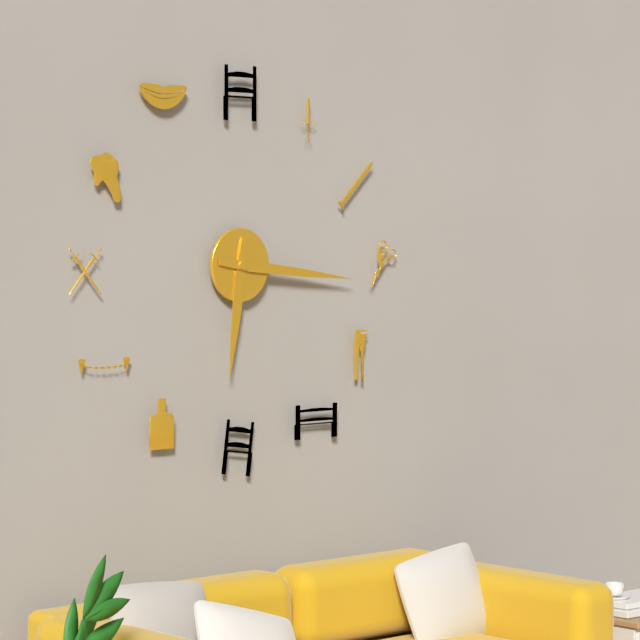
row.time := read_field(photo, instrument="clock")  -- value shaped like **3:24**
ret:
**6:16**
